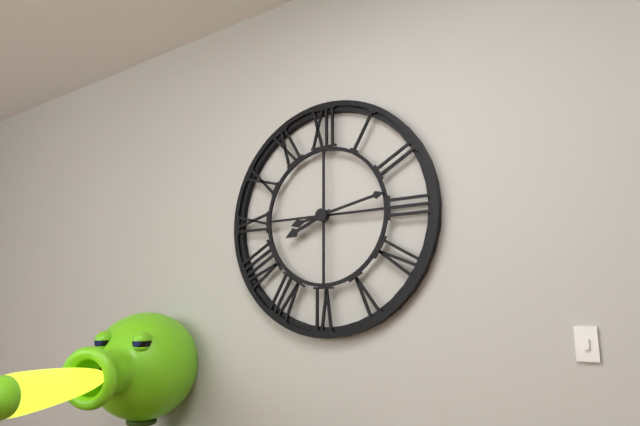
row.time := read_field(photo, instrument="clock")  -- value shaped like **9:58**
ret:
**8:13**
